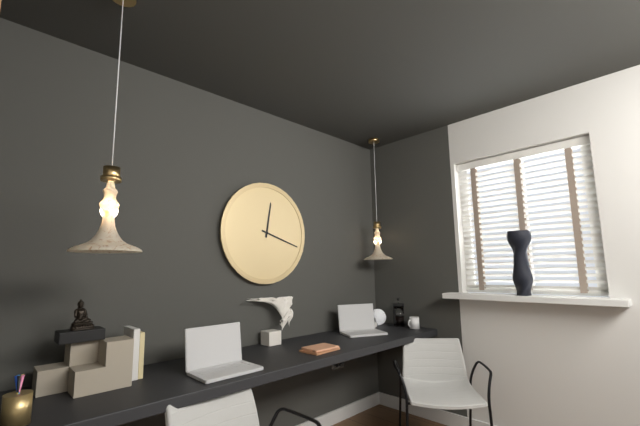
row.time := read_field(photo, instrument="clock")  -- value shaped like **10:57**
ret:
**12:18**
